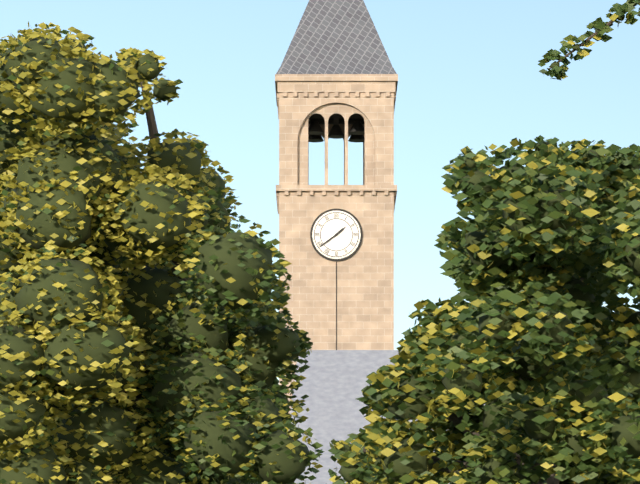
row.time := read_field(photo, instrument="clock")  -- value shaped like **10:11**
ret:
**1:39**
